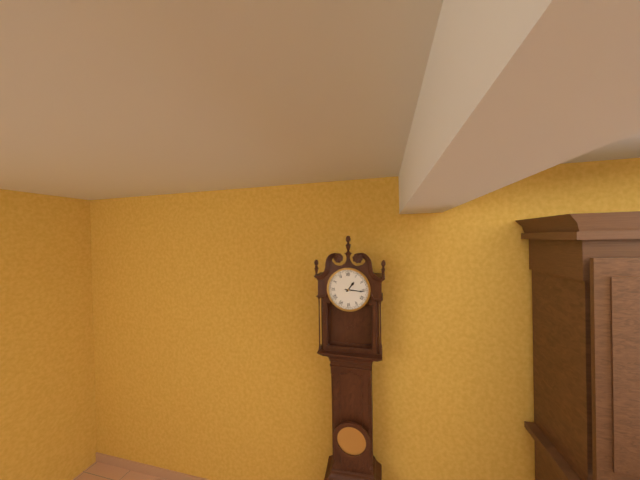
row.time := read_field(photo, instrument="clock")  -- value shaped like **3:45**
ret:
**1:16**
